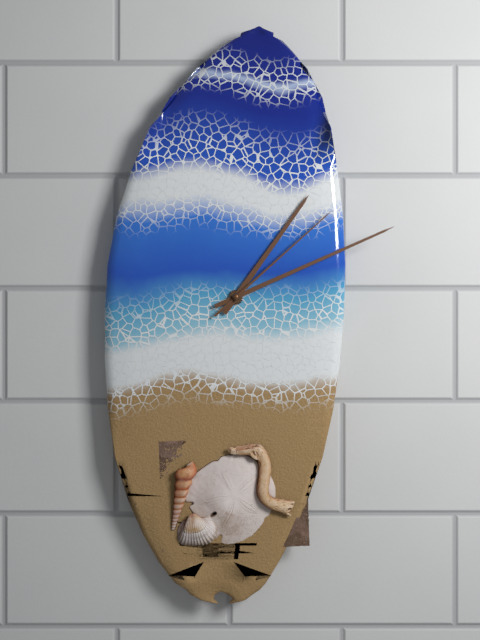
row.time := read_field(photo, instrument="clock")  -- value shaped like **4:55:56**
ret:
**1:11:08**
